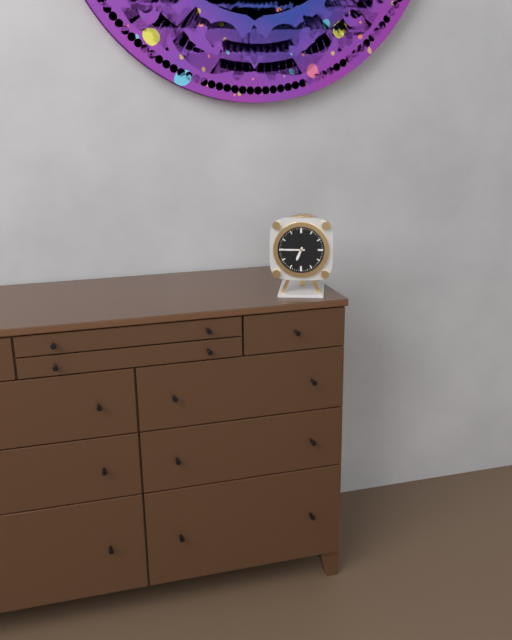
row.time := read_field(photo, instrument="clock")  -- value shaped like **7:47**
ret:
**6:45**
